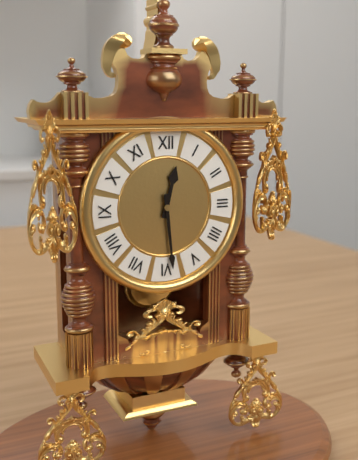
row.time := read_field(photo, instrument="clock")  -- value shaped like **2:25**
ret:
**12:29**
